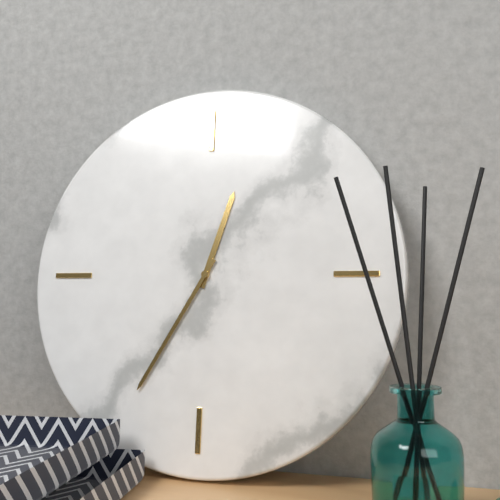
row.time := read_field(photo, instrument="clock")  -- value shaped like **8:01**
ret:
**12:35**
